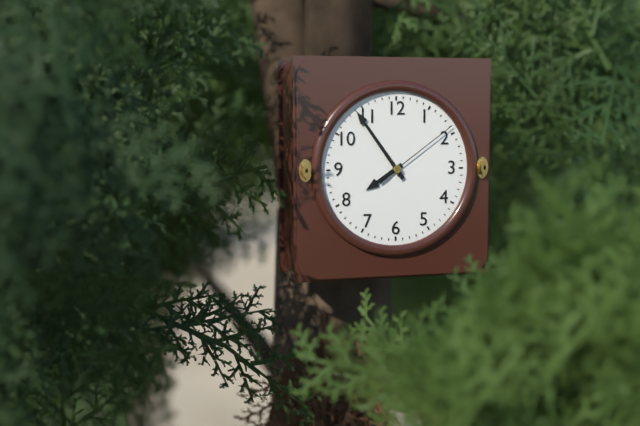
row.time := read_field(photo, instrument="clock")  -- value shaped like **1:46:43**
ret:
**7:54:09**
